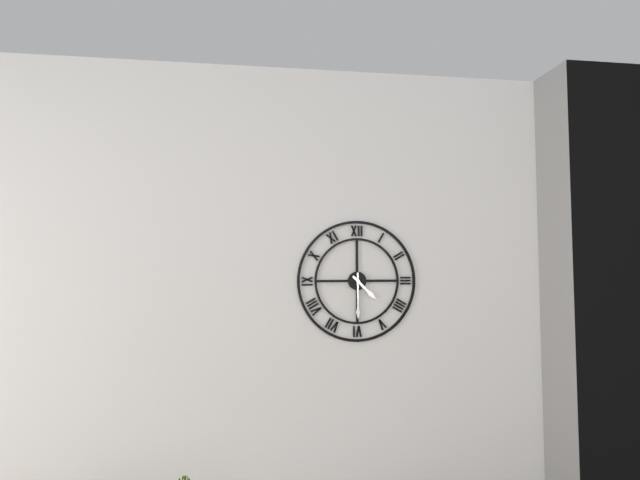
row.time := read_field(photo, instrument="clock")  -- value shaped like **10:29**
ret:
**4:30**
